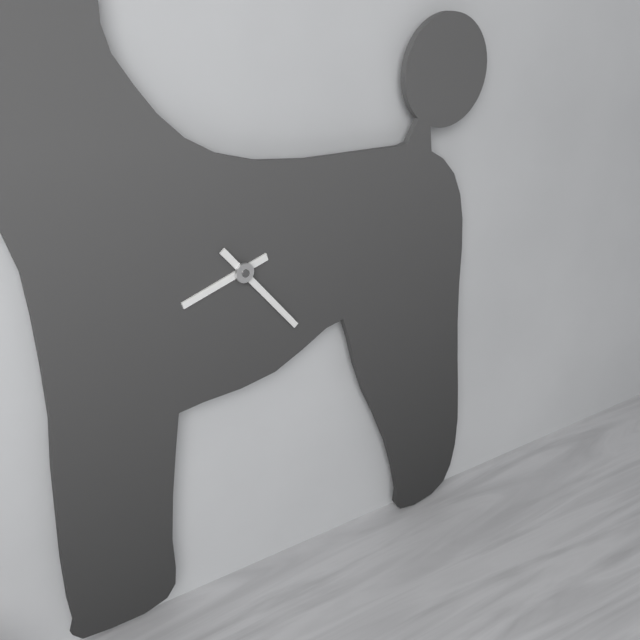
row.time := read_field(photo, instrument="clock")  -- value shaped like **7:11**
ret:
**8:23**
